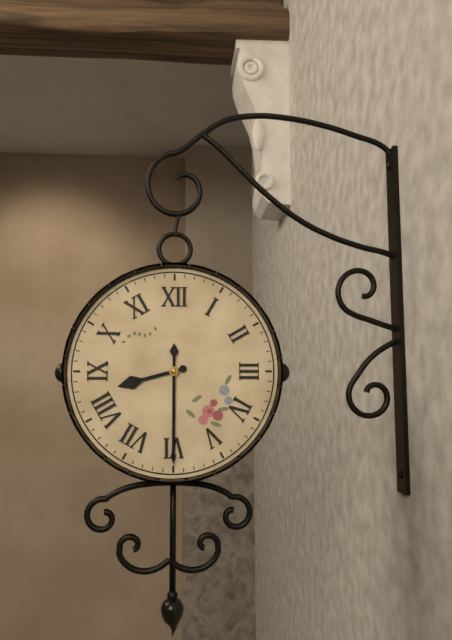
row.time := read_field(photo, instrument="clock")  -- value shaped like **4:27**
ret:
**8:30**
